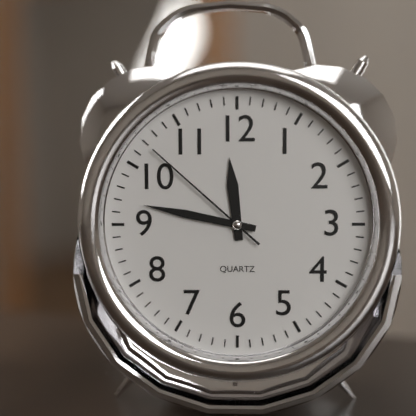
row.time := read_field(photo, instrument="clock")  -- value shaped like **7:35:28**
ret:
**11:47:52**
